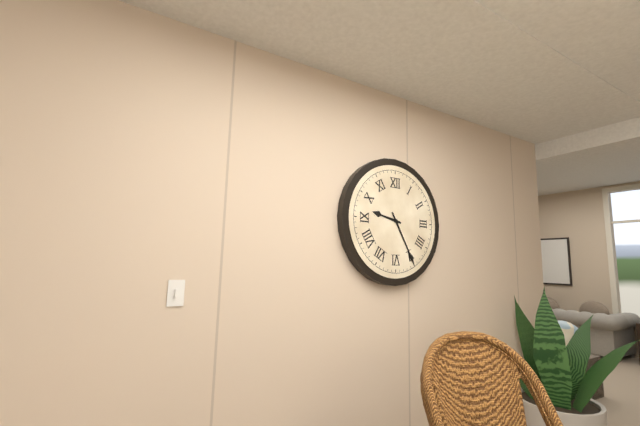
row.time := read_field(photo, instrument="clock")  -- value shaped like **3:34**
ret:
**9:25**
